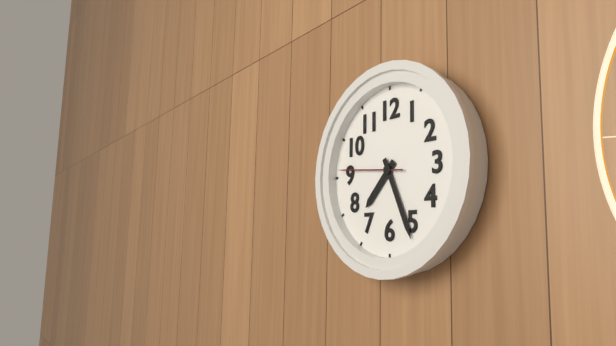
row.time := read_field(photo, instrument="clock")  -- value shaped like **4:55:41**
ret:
**7:26:46**
